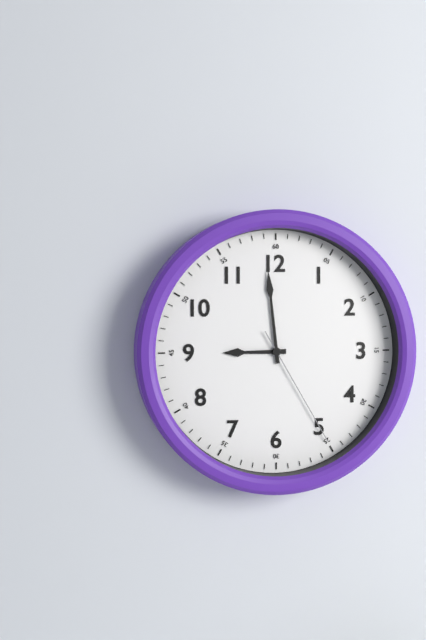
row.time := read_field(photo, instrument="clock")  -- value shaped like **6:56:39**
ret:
**8:59:25**
